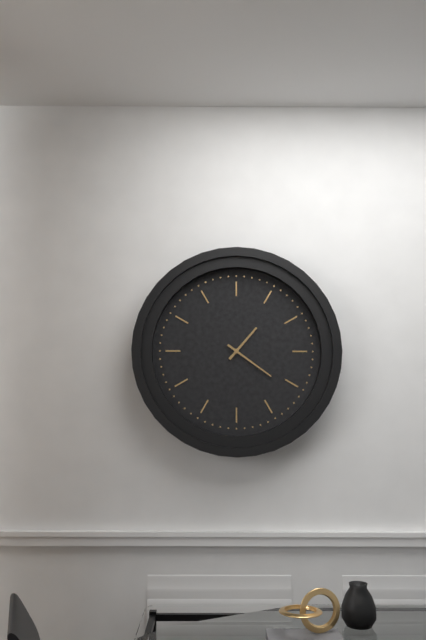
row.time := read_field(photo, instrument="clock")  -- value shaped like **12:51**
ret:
**1:21**
